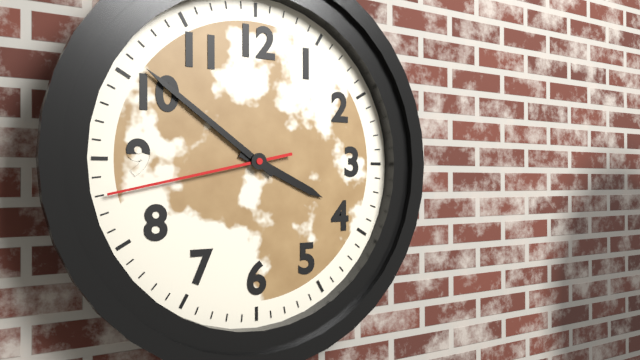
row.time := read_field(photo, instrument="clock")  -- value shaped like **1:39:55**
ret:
**3:51:43**
